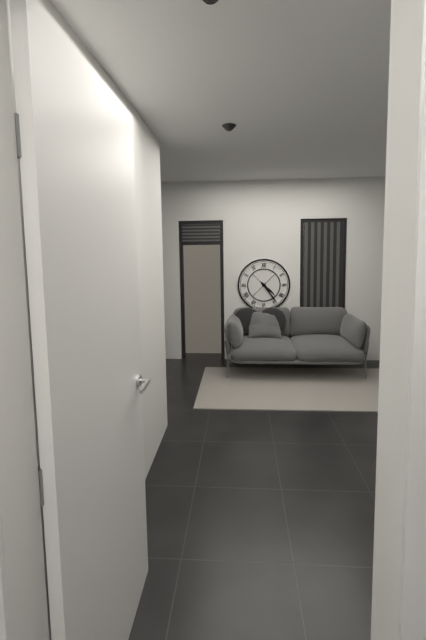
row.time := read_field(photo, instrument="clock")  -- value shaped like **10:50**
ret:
**4:24**
